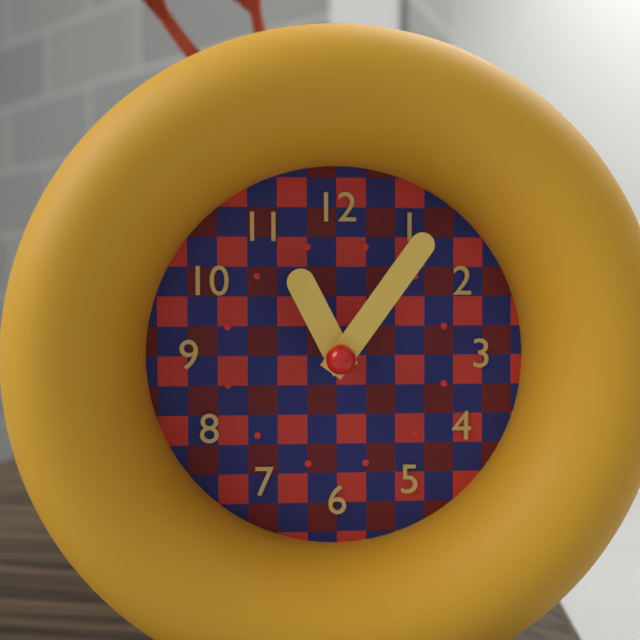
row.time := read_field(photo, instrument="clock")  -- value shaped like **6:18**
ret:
**11:06**
